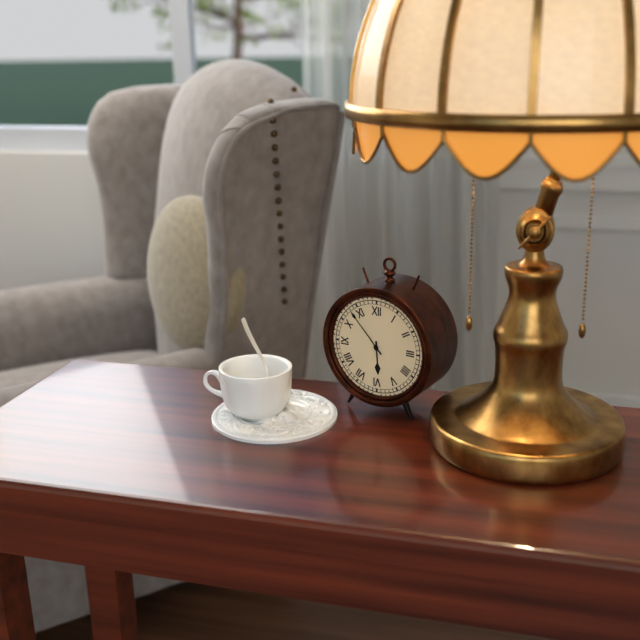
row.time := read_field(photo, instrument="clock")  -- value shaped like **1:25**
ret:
**5:53**
